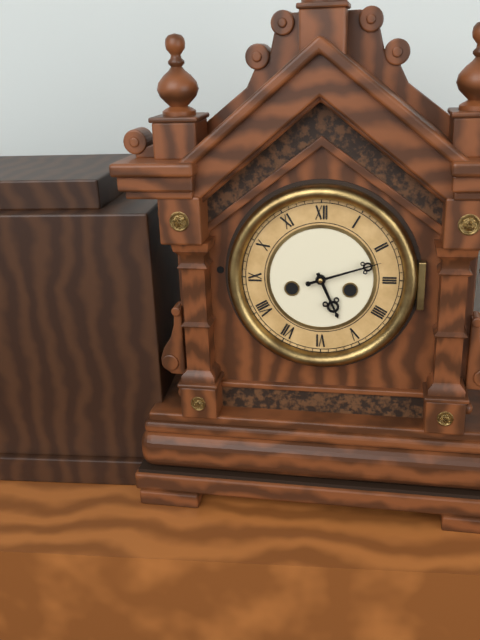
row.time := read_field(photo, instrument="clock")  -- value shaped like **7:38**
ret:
**5:12**
